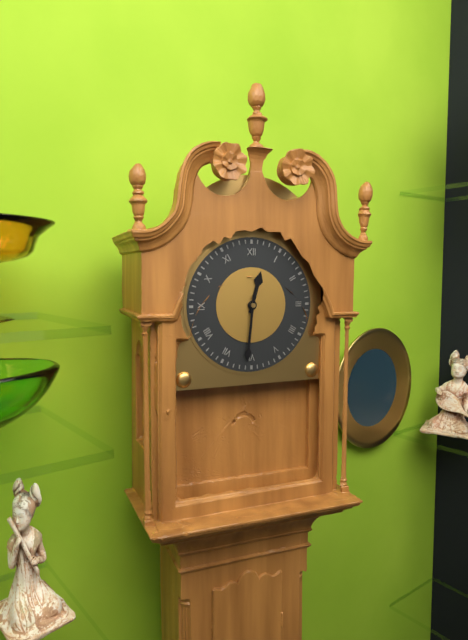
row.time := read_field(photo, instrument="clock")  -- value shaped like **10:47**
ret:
**12:31**
